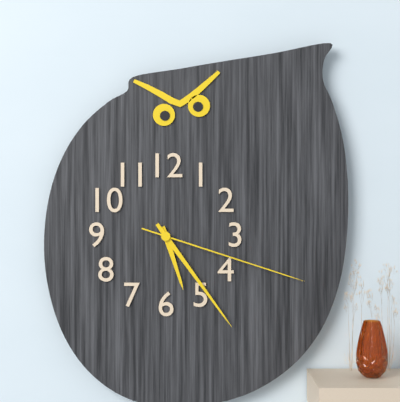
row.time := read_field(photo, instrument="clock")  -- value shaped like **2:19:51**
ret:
**5:24:18**
